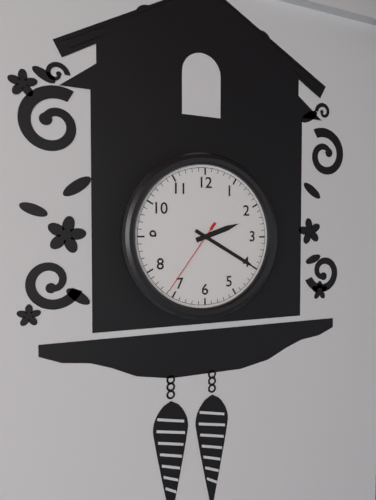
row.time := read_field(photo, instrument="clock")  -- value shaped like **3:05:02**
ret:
**2:20:36**
